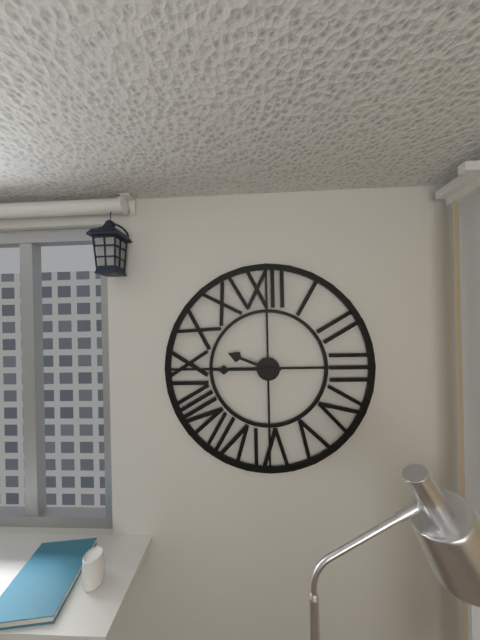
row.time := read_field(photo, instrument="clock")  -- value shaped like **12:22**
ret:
**9:45**
